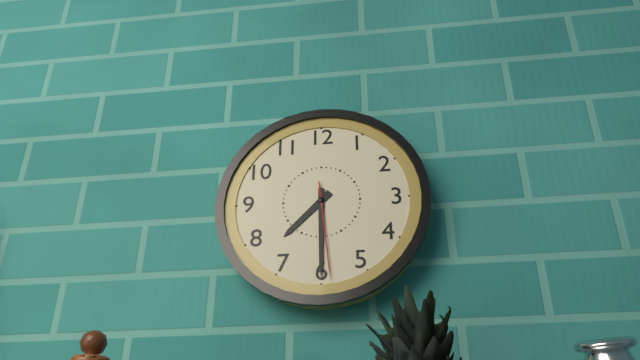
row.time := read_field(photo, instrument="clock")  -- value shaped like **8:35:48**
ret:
**7:30:29**
